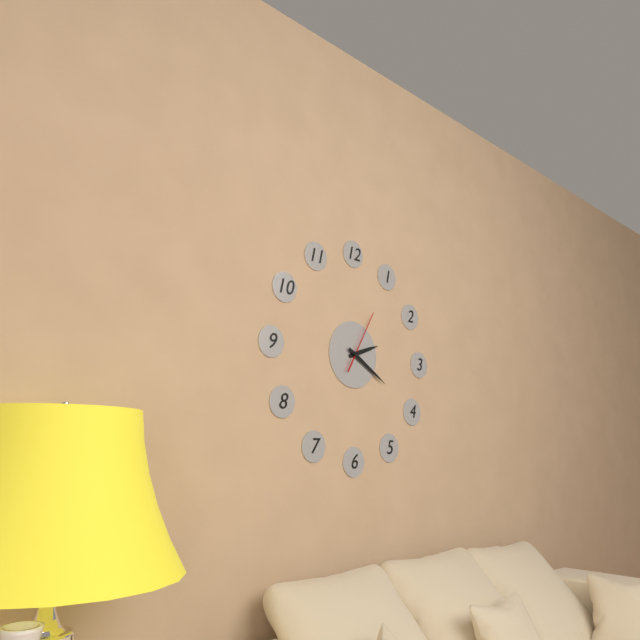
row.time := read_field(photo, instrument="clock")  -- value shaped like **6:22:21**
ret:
**2:20:05**
